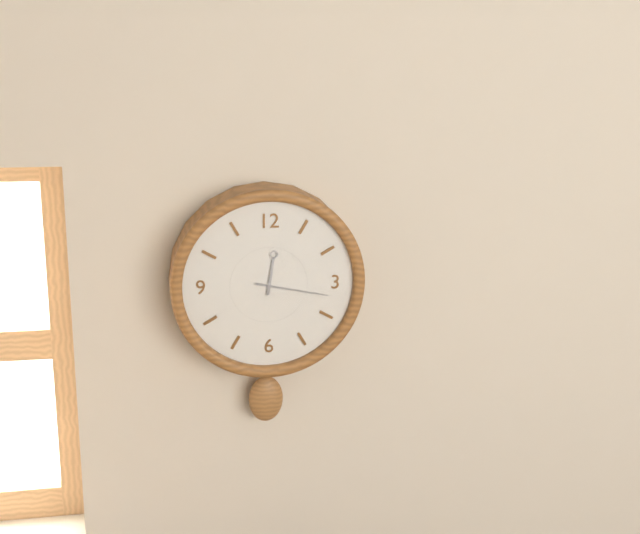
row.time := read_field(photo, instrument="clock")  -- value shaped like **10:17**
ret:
**12:17**
